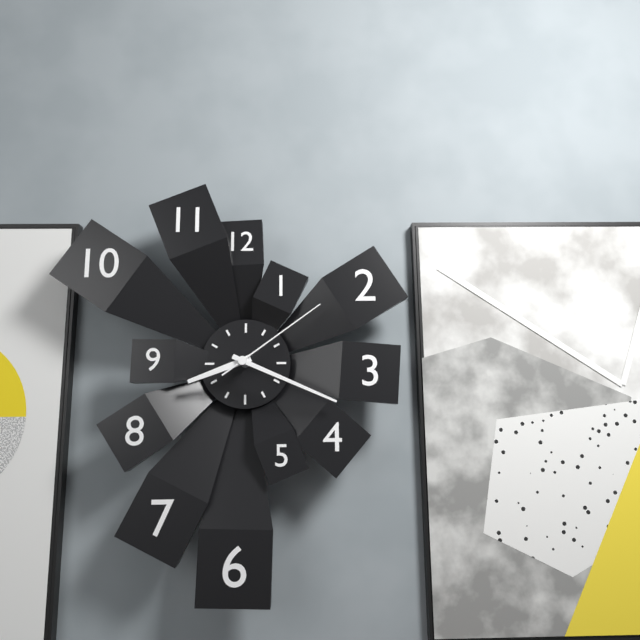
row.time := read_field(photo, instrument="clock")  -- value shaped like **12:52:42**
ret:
**8:19:09**
